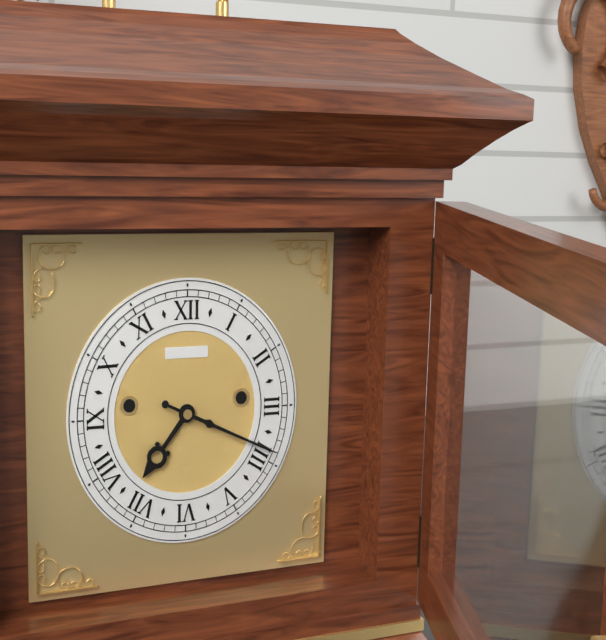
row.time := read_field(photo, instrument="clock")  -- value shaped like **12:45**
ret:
**7:19**
